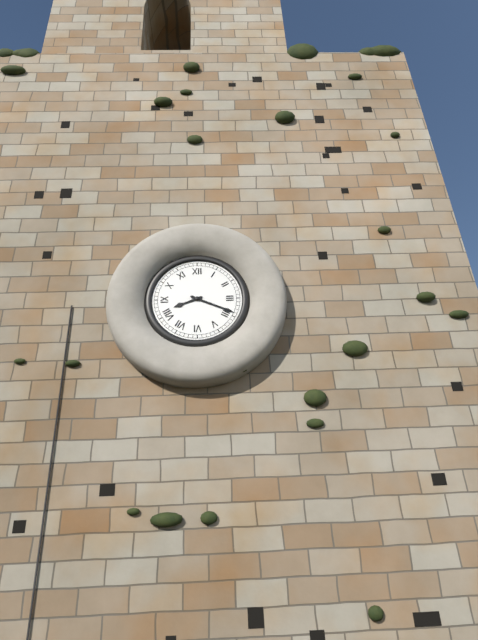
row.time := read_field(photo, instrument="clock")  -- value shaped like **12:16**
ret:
**8:19**
